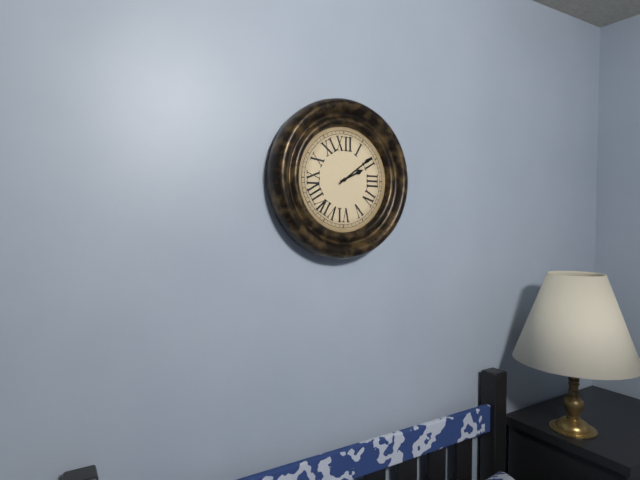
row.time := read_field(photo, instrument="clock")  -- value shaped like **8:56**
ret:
**2:09**
